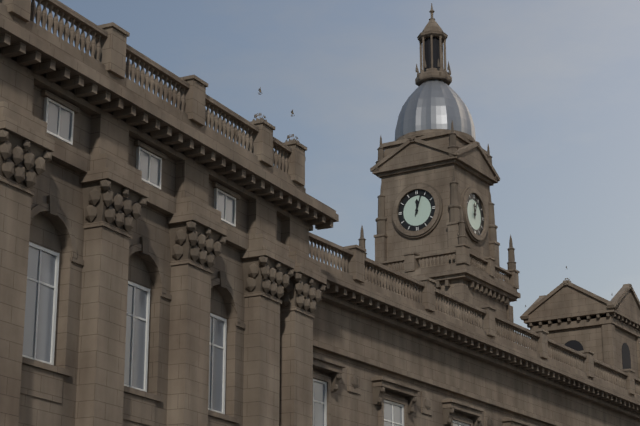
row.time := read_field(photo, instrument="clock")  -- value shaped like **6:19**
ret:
**12:03**
